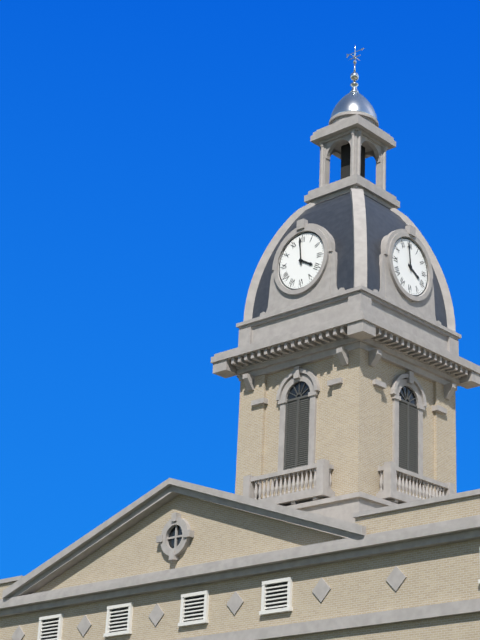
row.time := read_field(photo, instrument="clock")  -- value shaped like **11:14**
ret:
**3:59**
